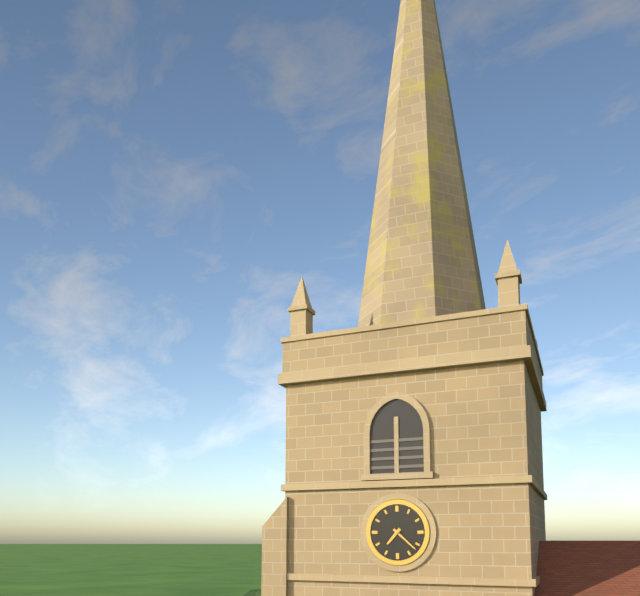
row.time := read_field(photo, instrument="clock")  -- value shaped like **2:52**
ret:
**7:22**
